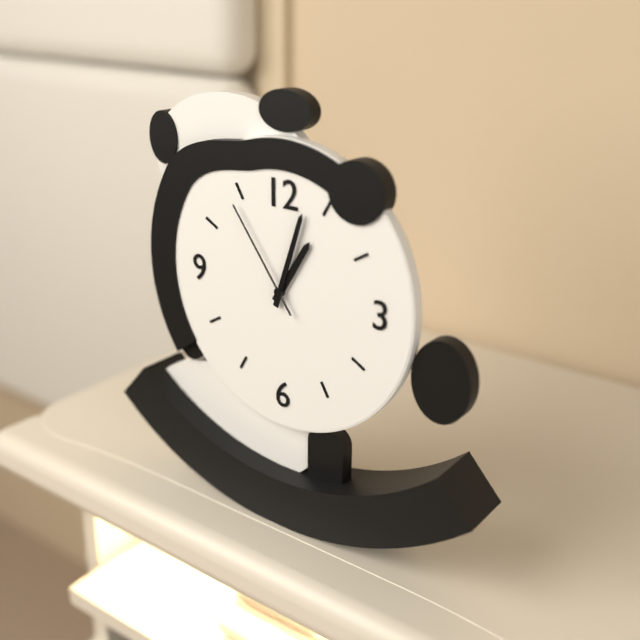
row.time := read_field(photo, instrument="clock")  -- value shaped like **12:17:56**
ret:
**1:03:54**
